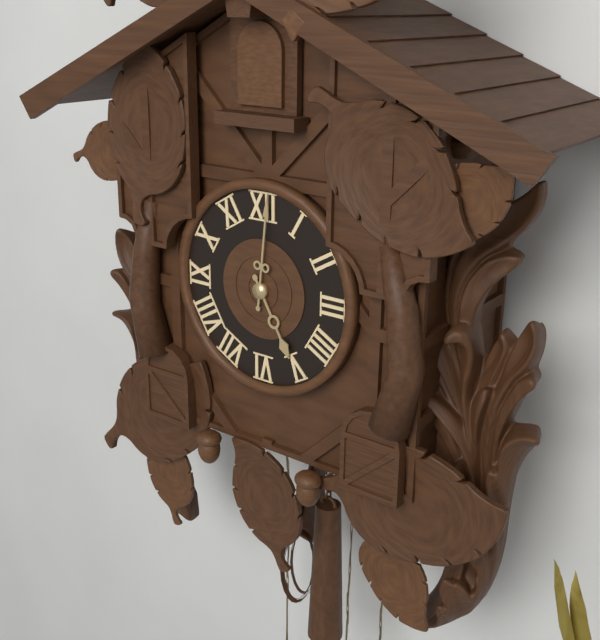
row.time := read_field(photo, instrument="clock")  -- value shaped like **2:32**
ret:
**5:01**
